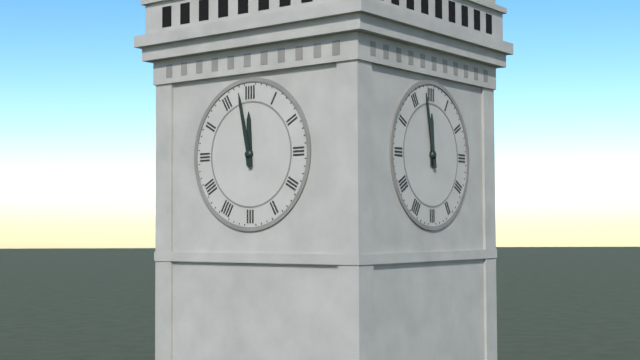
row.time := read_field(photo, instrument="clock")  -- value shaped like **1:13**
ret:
**11:58**
